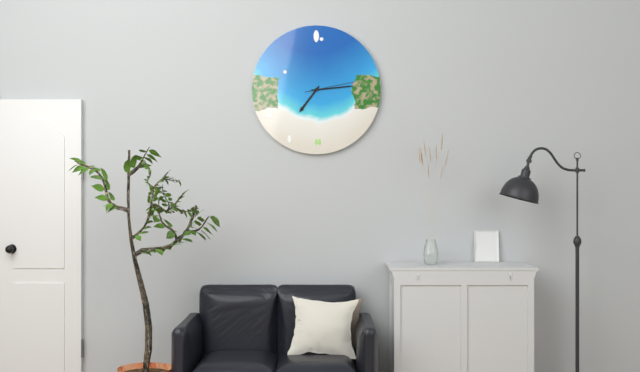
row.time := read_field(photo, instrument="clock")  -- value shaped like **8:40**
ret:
**7:14**
